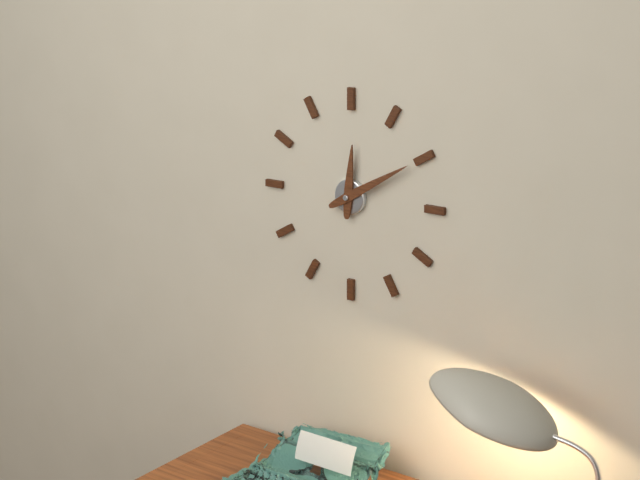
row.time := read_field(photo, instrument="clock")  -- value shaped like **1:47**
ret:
**12:10**
